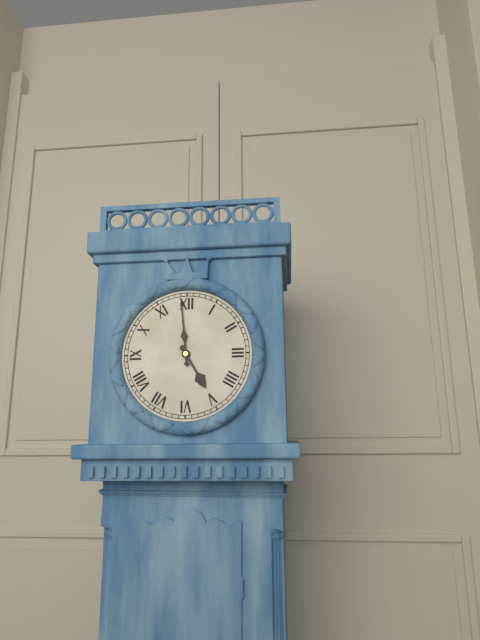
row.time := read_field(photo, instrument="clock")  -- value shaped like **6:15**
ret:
**4:59**
